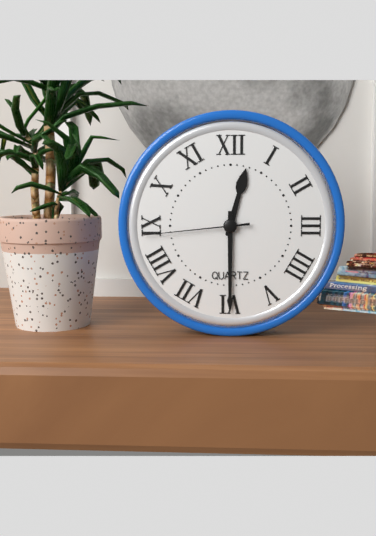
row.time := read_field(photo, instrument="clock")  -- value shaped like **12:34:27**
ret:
**12:30:44**
